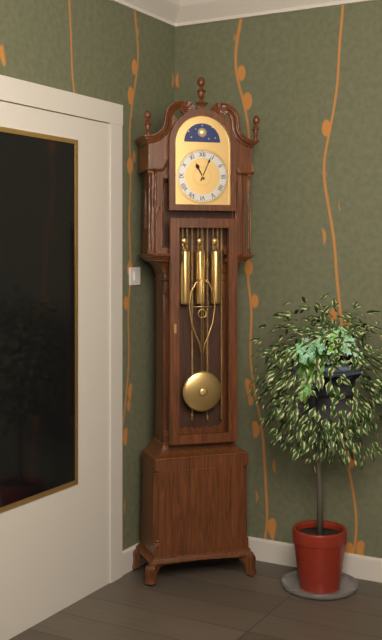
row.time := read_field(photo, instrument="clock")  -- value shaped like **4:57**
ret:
**11:04**
